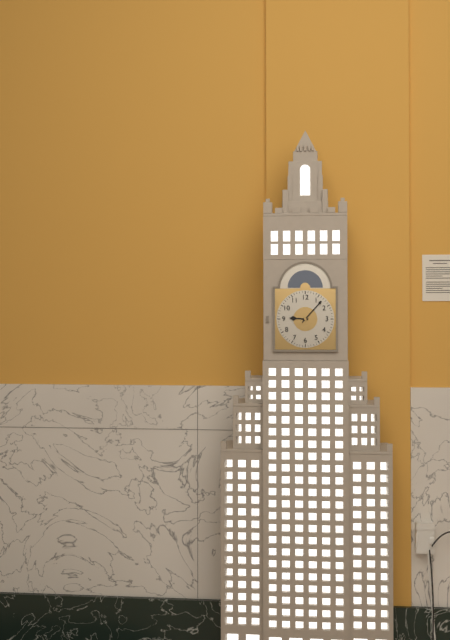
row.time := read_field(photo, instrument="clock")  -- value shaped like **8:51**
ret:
**9:07**
